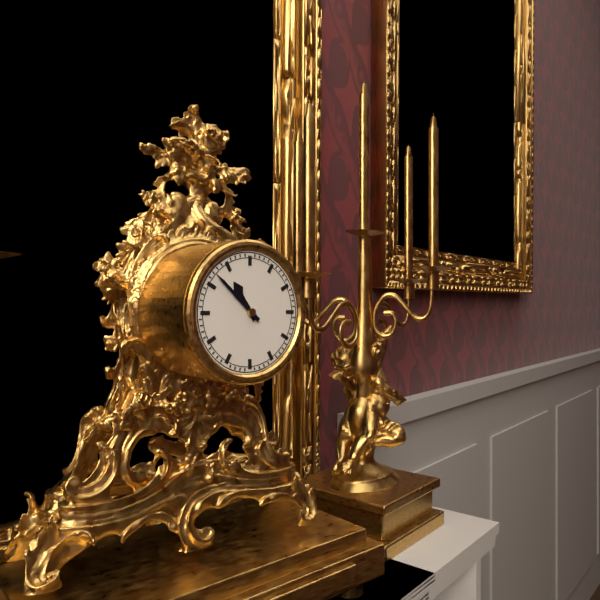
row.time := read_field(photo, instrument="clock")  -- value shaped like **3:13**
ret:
**10:52**
